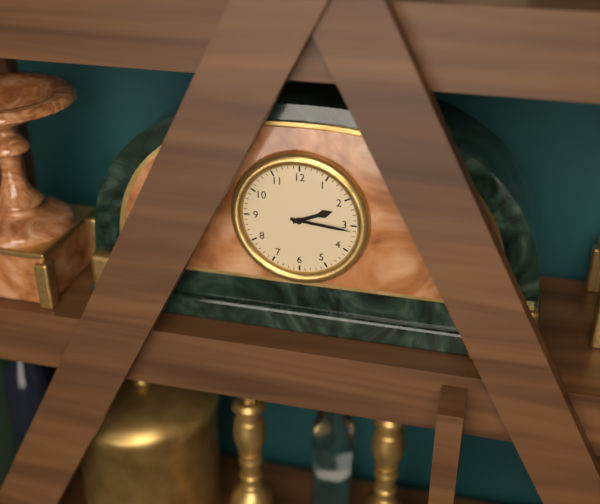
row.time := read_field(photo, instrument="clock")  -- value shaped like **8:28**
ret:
**2:16**
